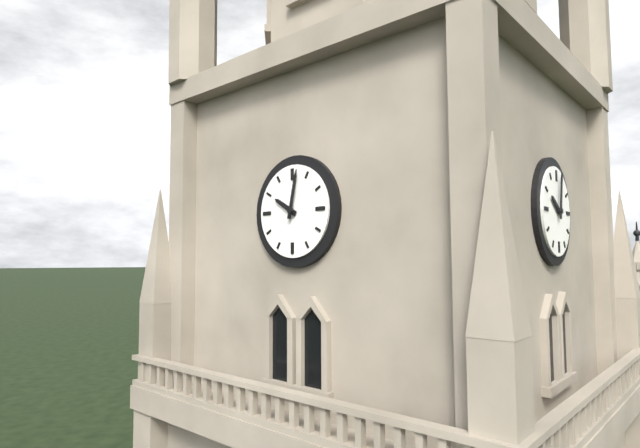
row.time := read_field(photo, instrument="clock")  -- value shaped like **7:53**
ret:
**10:02**
